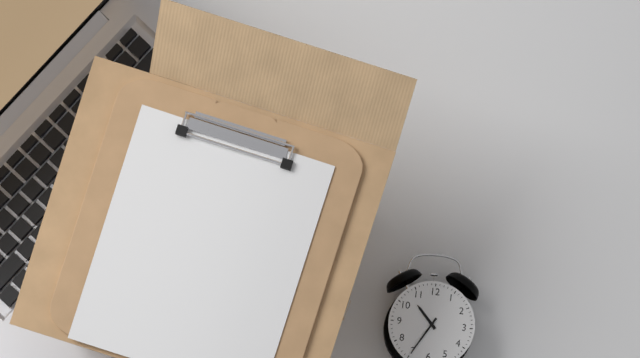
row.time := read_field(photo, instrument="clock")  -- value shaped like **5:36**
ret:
**10:35**
